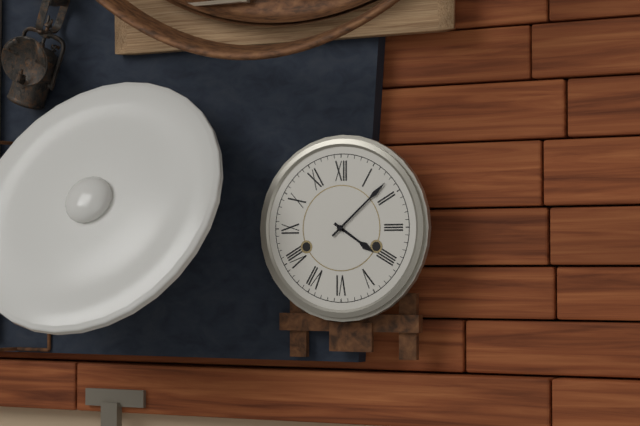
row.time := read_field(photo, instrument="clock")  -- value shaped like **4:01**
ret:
**4:08**
